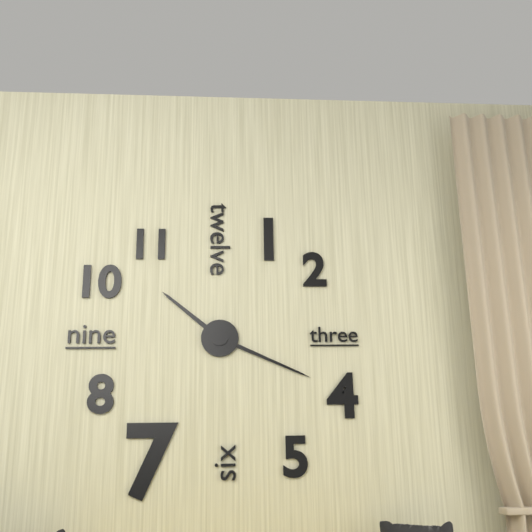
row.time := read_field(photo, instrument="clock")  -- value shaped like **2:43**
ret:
**10:19**
